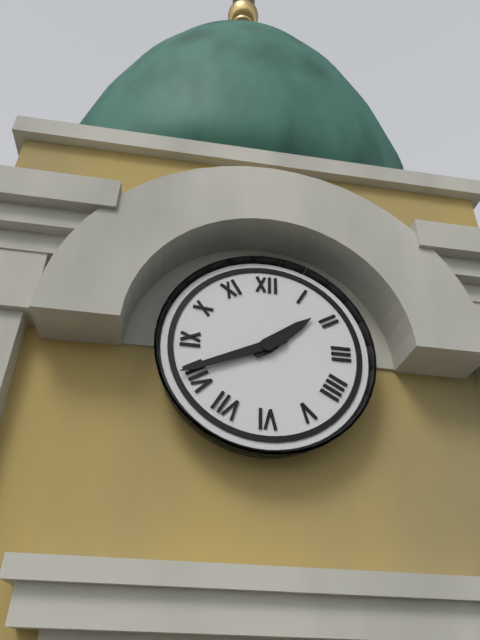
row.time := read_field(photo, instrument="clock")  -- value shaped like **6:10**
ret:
**1:41**
